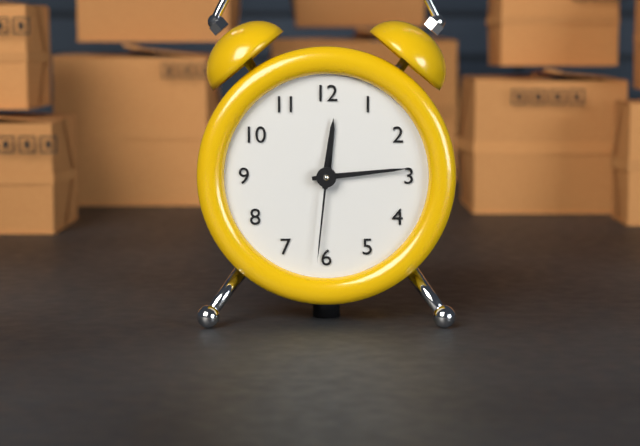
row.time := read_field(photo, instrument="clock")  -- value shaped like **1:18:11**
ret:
**12:14:31**
